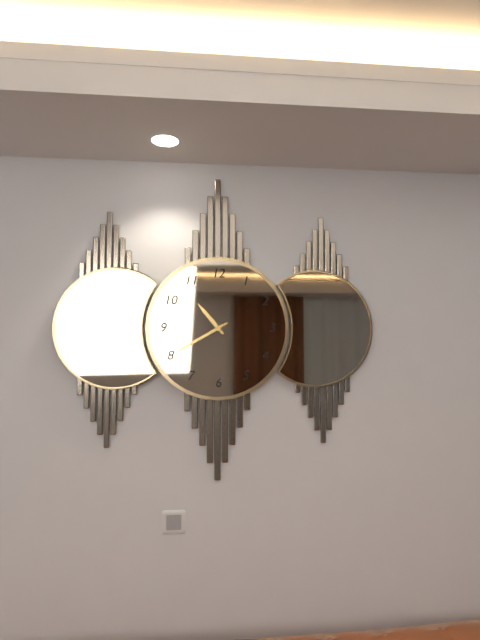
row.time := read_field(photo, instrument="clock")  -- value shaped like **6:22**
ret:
**10:40**
